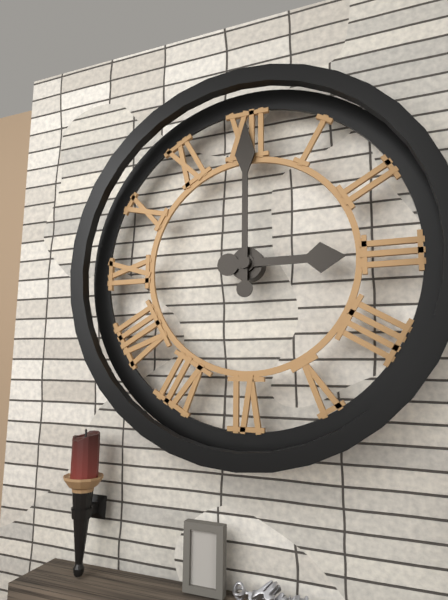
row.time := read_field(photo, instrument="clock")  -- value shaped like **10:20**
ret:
**3:00**
